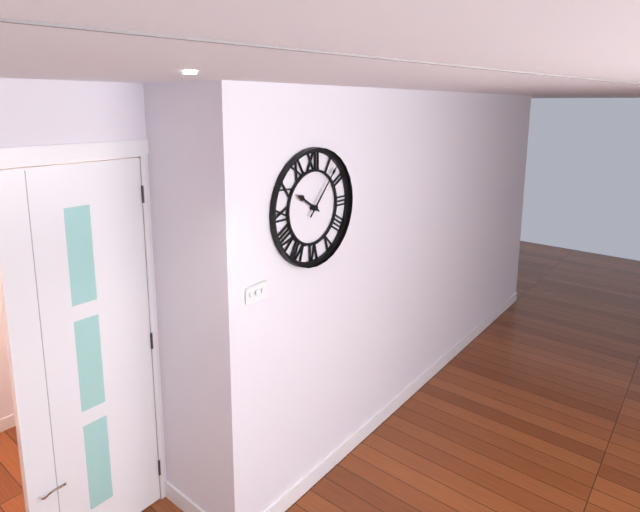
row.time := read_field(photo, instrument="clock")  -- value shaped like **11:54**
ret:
**10:07**
